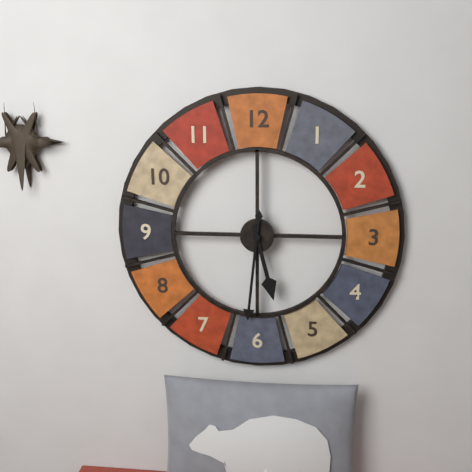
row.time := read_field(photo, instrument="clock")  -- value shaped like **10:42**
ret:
**5:31**
